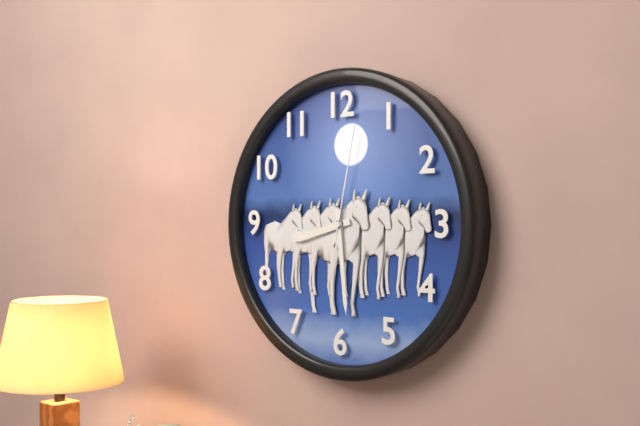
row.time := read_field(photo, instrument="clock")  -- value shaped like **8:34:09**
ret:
**8:29:02**
